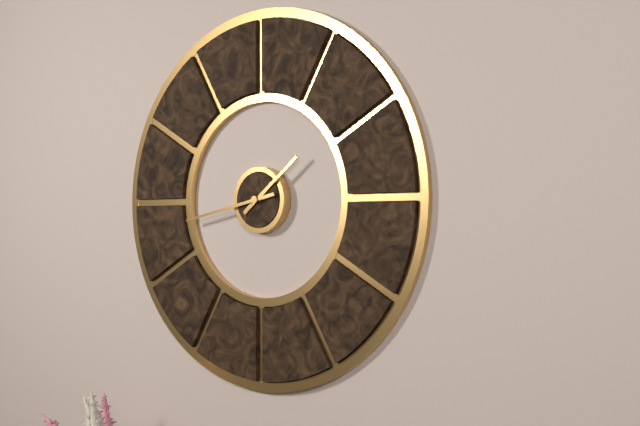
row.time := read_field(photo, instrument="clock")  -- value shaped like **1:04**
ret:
**1:43**
